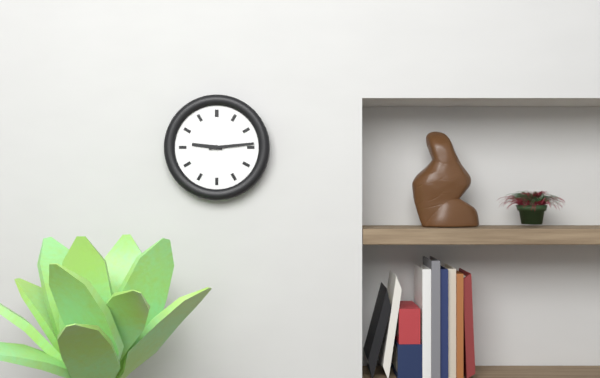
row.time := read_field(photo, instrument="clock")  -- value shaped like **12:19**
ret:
**9:14**
